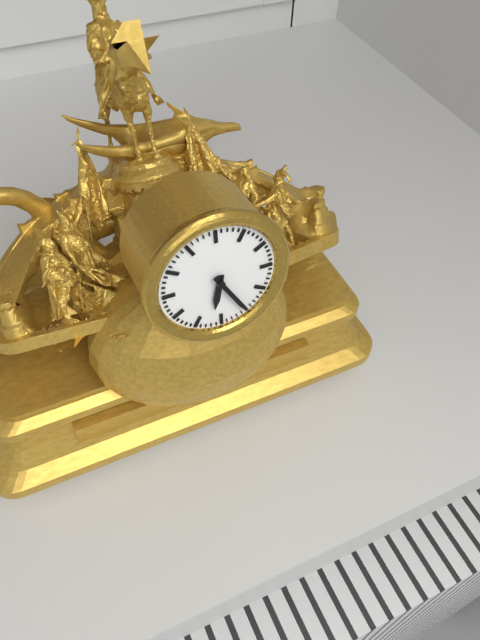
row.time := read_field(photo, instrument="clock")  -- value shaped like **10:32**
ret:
**6:25**
